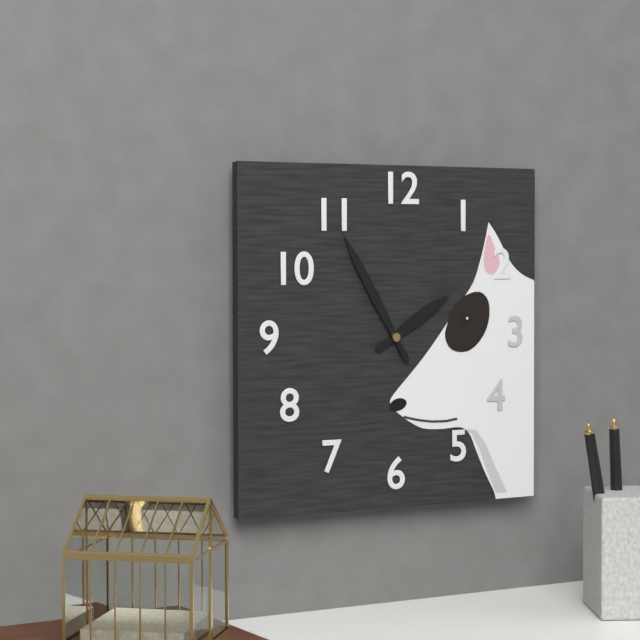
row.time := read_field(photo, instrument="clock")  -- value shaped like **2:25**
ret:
**1:55**
